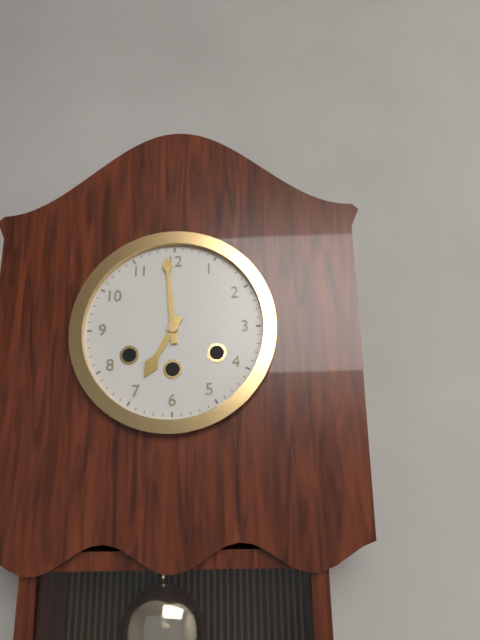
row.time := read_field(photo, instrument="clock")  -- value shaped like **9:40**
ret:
**6:59**
